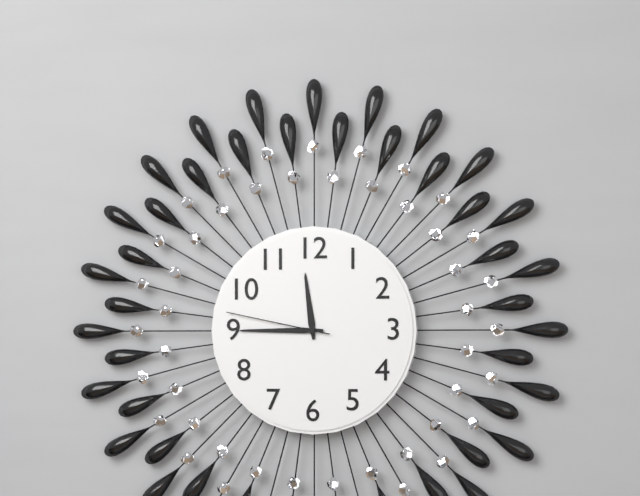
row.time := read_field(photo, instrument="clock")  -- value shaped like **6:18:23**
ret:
**11:45:47**
